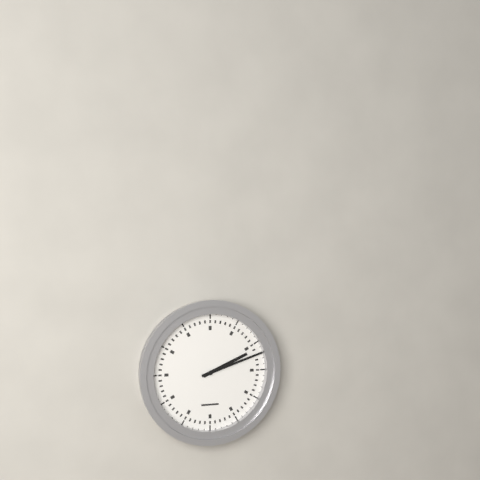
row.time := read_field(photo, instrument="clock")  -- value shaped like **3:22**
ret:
**2:12**
